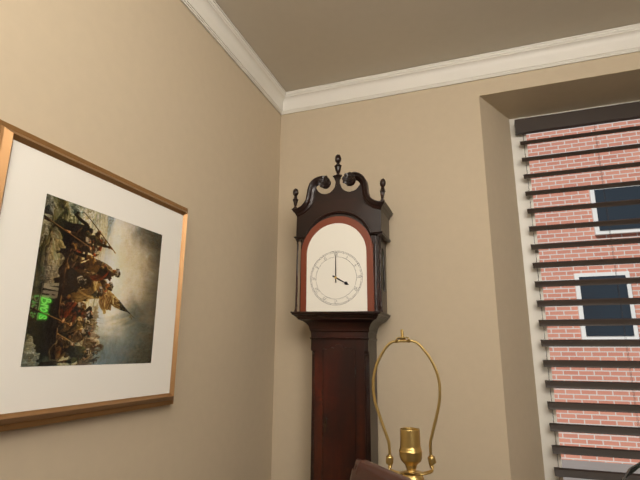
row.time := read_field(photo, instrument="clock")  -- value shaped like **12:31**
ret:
**4:00**
